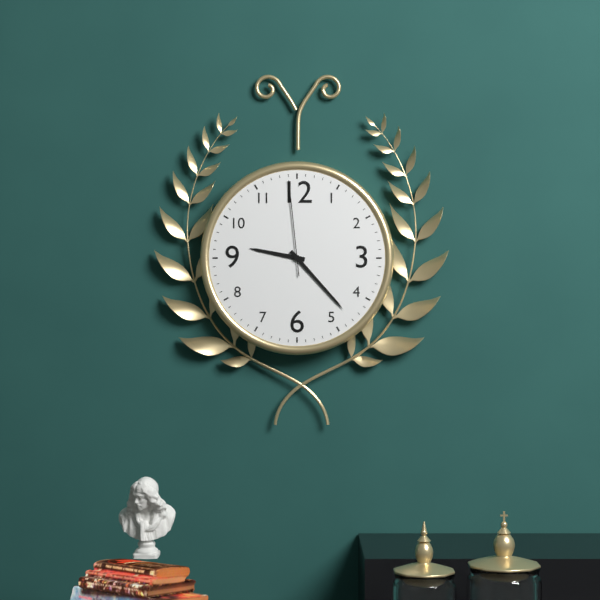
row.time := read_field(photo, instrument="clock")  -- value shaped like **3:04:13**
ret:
**9:23:59**
